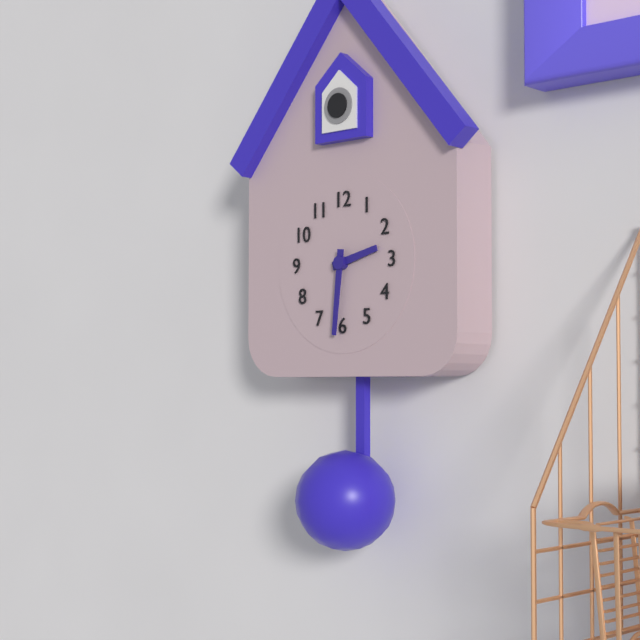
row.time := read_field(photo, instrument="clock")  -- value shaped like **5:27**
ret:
**2:31**
